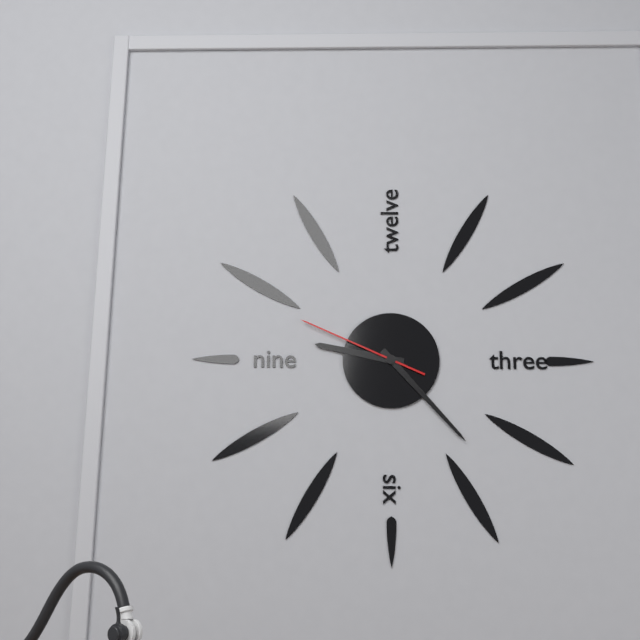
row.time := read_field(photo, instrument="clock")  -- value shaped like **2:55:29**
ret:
**9:23:49**
